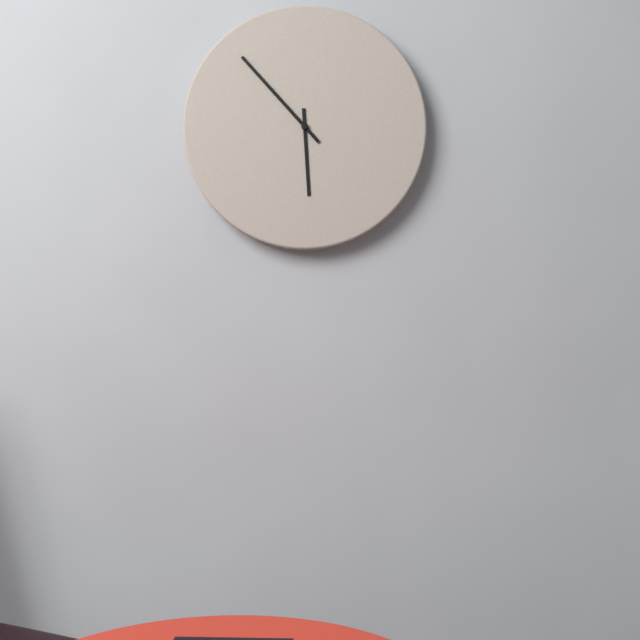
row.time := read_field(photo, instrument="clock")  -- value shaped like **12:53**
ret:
**5:53**
